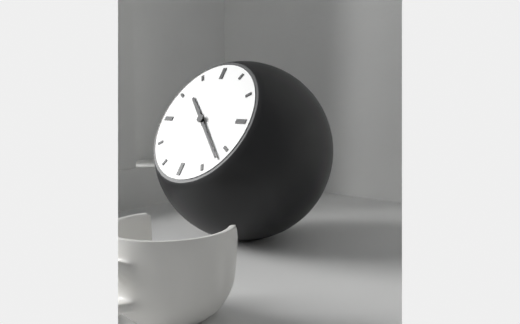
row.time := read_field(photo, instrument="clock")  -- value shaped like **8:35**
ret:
**10:22**
